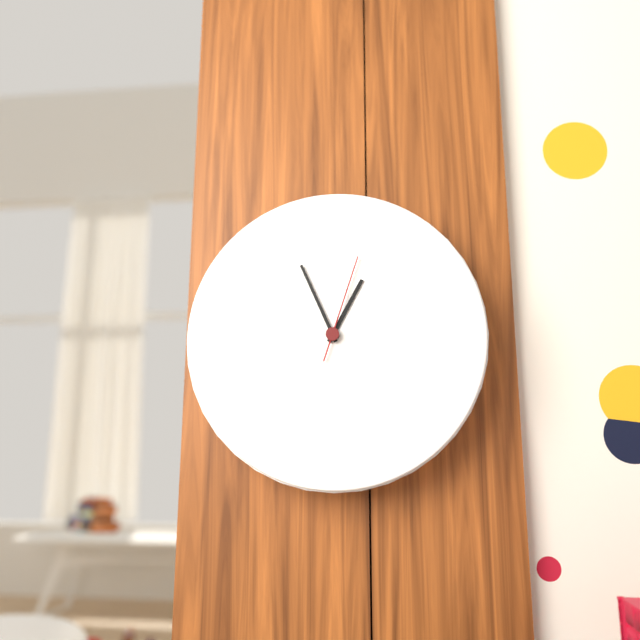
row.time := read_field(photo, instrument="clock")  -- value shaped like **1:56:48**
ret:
**12:56:03**
